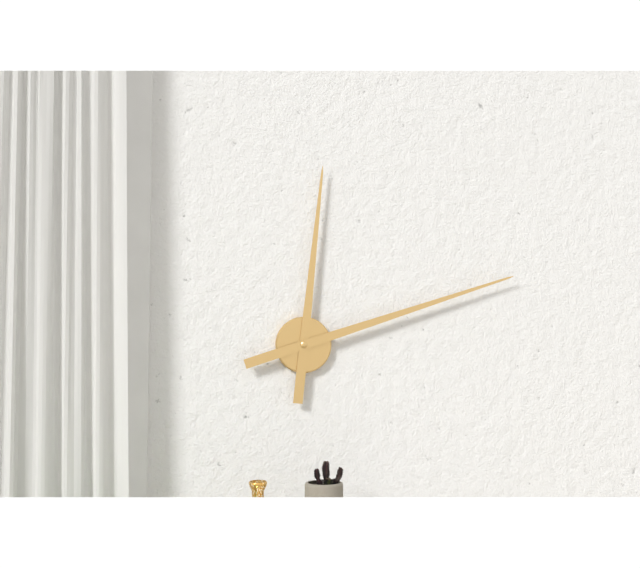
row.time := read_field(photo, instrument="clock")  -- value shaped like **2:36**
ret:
**12:12**
